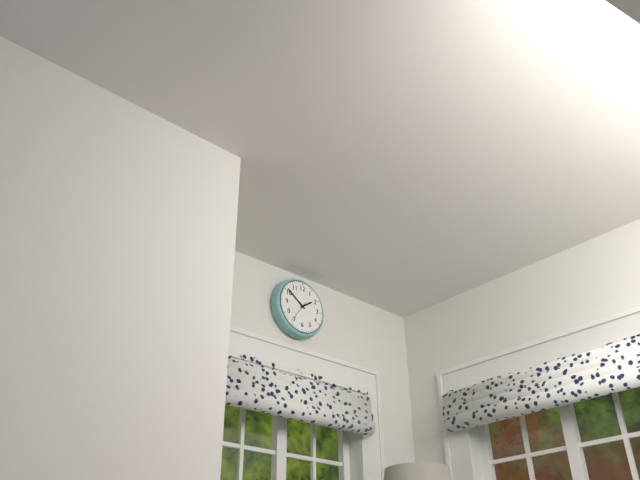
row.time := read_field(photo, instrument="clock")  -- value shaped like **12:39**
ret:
**1:51**
